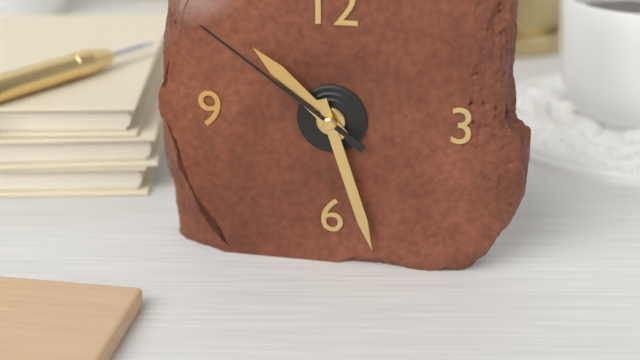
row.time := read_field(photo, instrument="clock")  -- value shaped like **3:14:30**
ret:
**10:27:51**
